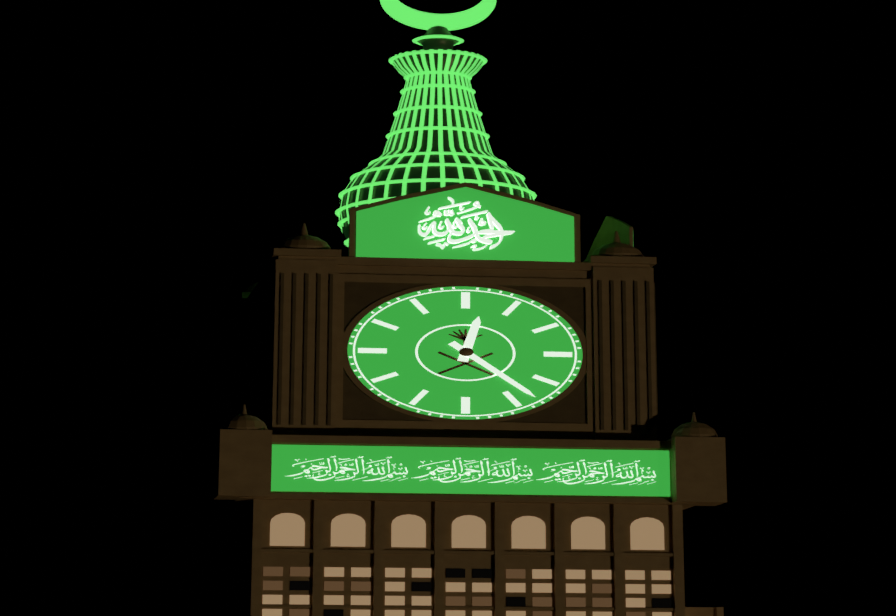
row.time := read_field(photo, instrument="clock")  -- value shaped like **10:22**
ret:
**12:23**
